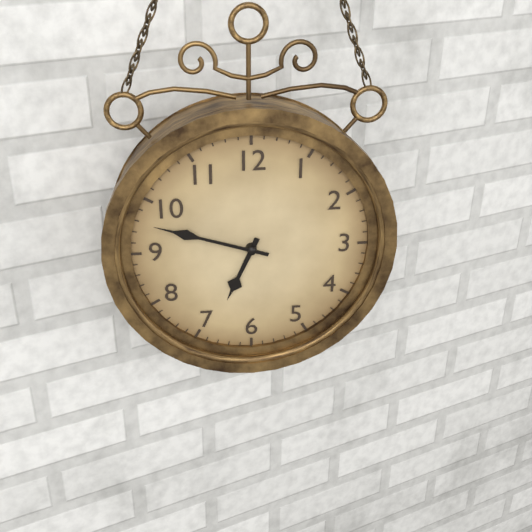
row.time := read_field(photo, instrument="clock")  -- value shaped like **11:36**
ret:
**6:48**
